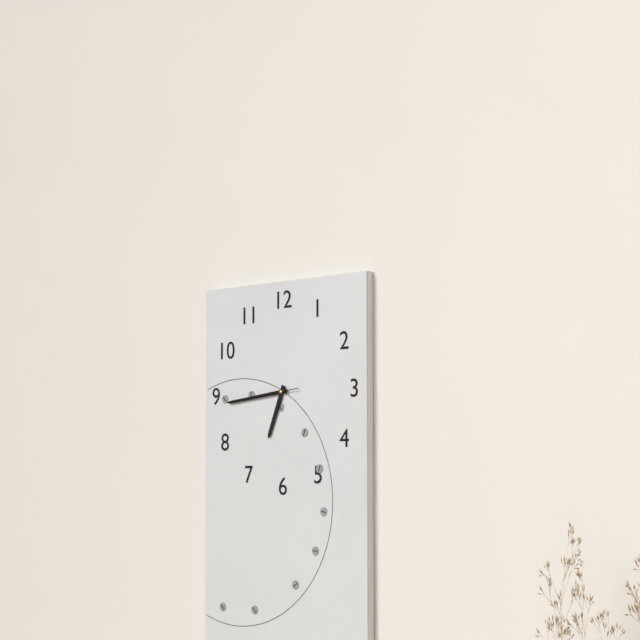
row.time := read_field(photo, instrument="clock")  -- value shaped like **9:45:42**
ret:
**6:44:44**
